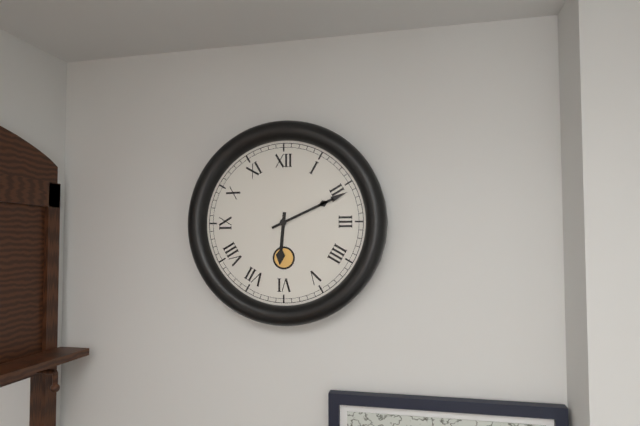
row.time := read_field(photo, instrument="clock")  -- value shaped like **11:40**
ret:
**6:11**
